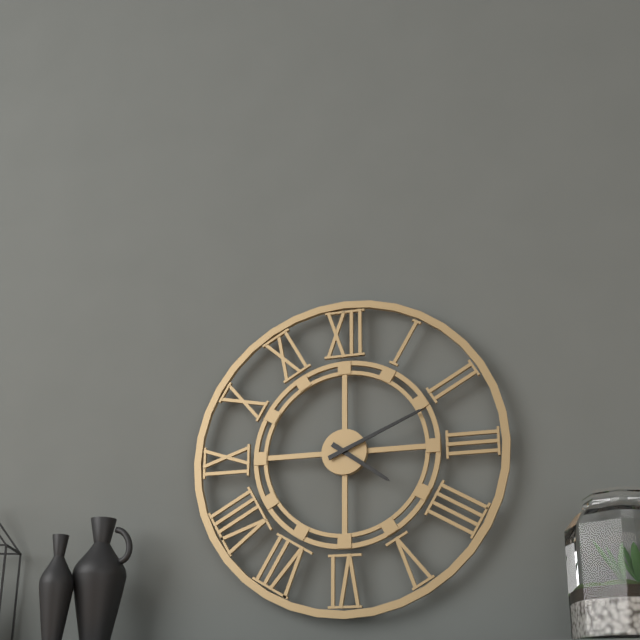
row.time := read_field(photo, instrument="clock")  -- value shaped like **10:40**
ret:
**4:11**
